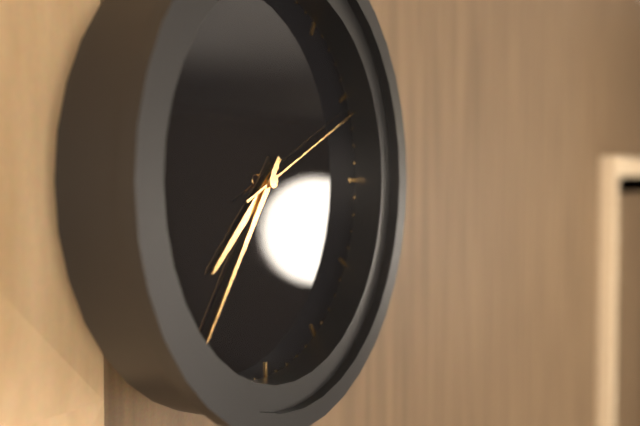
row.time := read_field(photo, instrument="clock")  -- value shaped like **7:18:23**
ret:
**7:36:11**
